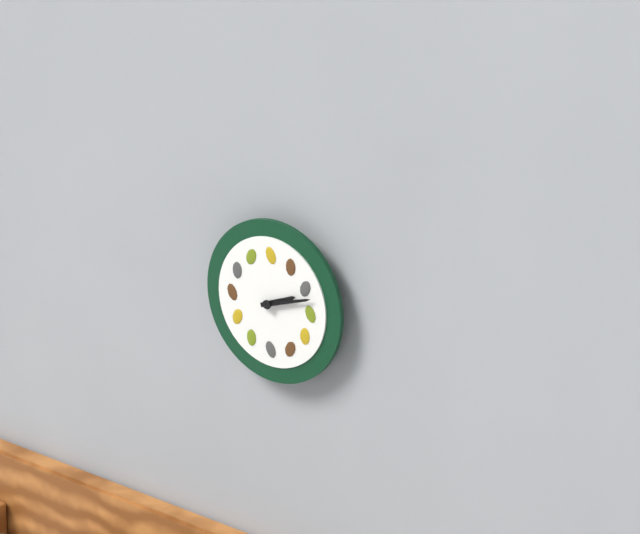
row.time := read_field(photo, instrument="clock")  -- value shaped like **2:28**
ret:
**2:12**
